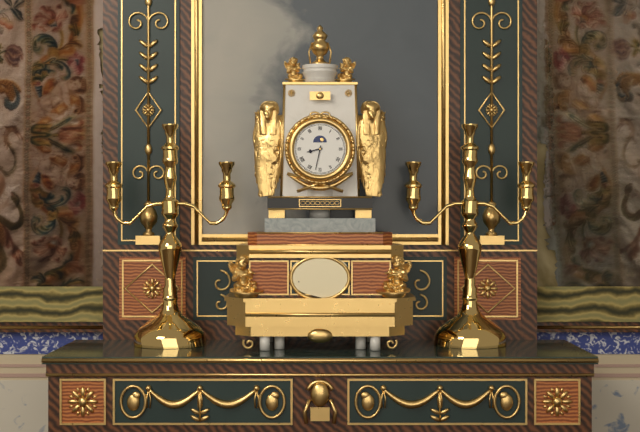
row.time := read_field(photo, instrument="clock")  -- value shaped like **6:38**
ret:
**8:32**
